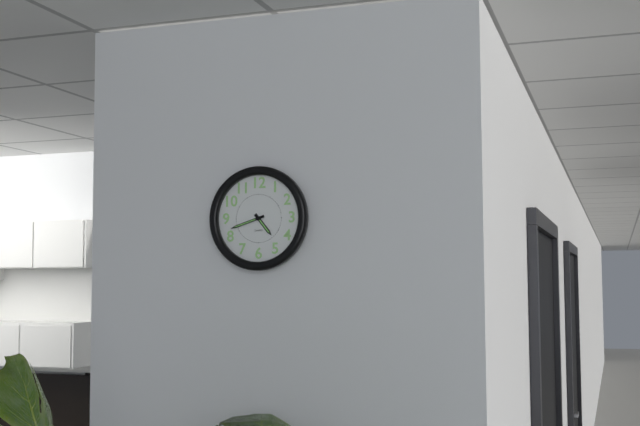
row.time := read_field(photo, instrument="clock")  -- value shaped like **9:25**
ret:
**4:42**
